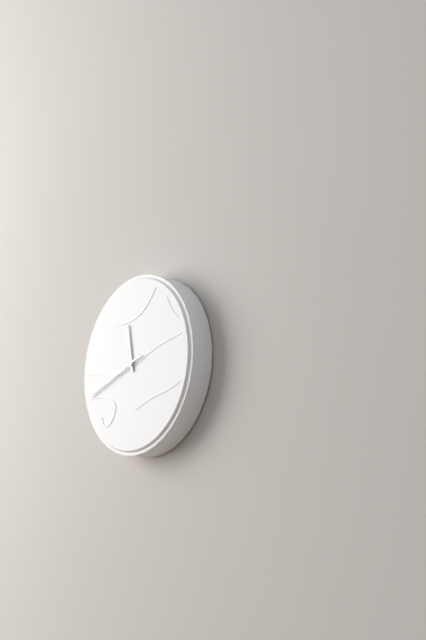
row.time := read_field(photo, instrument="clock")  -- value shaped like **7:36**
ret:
**11:42**
